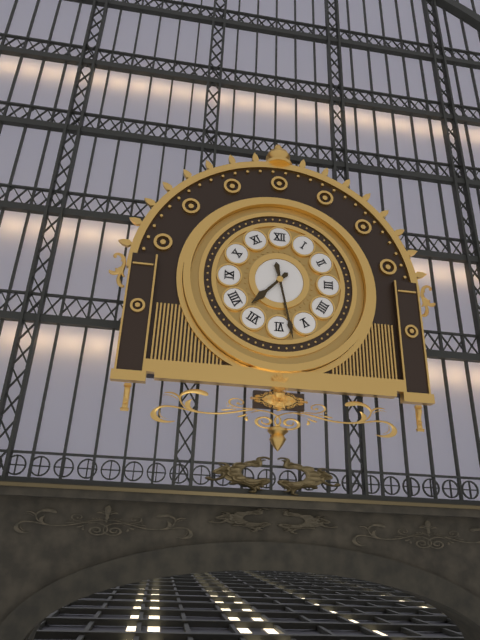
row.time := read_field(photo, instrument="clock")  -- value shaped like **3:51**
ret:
**7:28**
